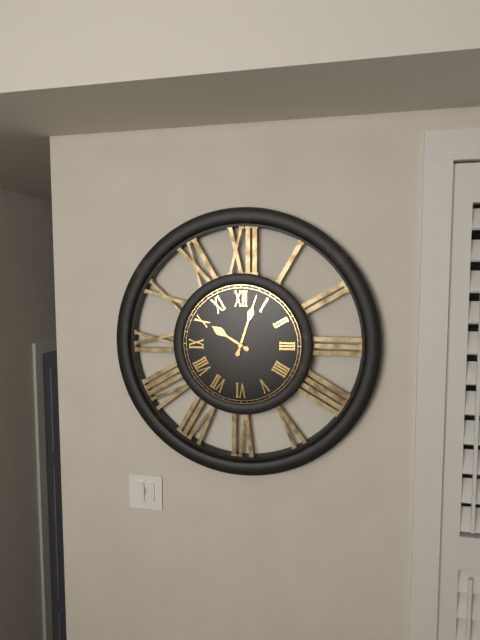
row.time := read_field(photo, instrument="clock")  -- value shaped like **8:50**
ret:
**10:03**
